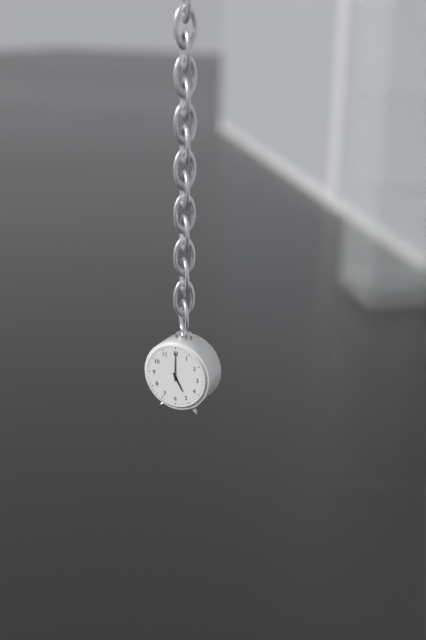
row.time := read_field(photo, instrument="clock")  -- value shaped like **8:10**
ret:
**5:00**
